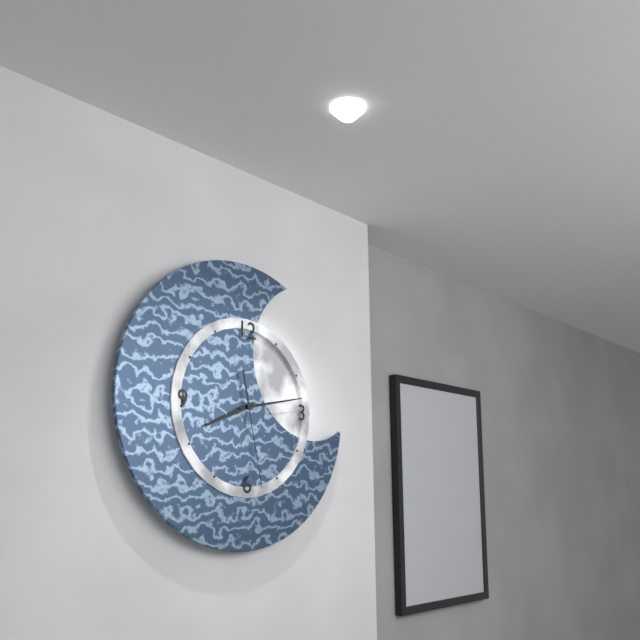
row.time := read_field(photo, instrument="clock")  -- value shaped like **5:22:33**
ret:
**8:13:28**
